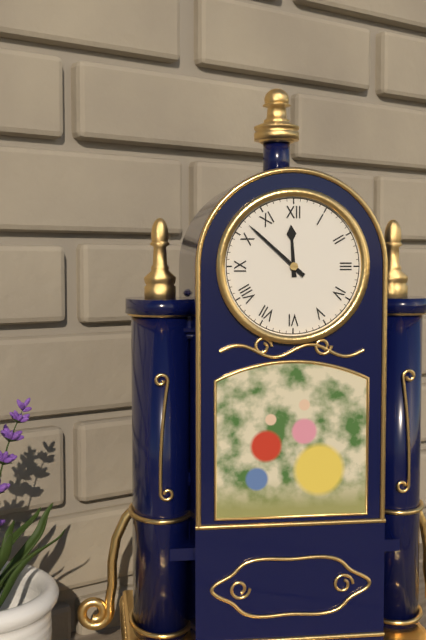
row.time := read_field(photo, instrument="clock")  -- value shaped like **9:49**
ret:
**11:52**
